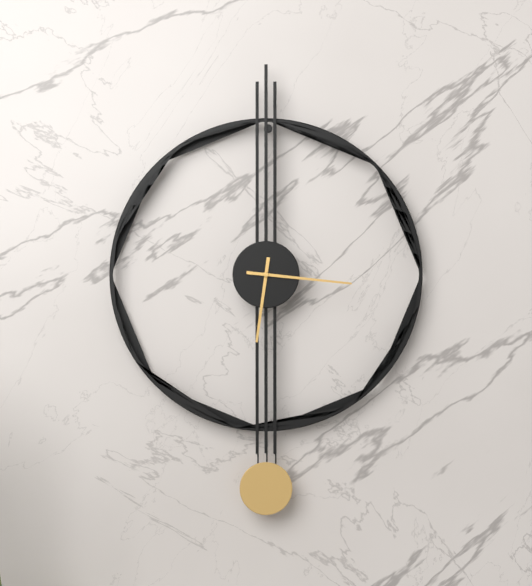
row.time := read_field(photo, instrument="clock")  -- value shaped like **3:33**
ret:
**6:16**
